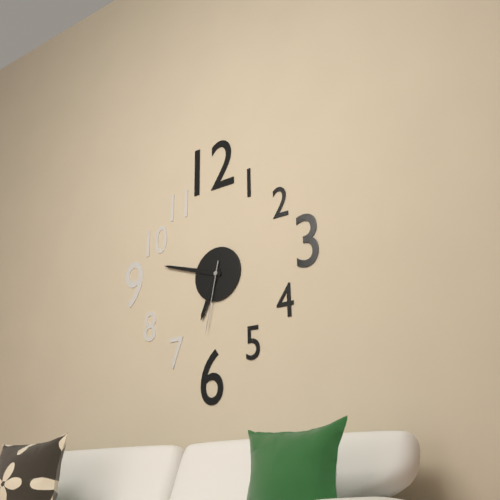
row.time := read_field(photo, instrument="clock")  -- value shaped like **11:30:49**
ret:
**6:48:32**
